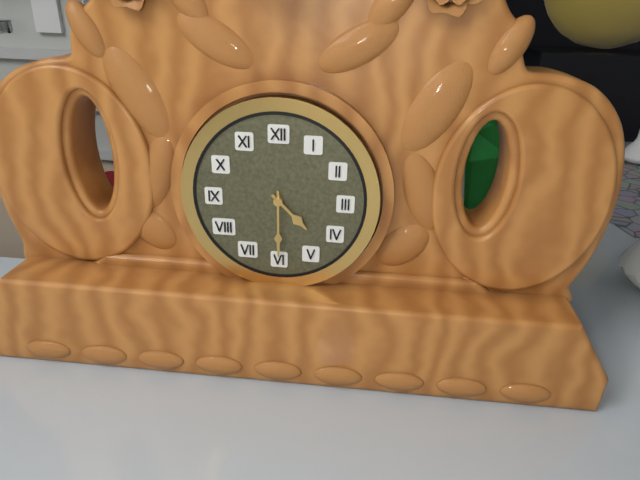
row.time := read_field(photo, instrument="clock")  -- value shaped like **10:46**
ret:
**4:30**
